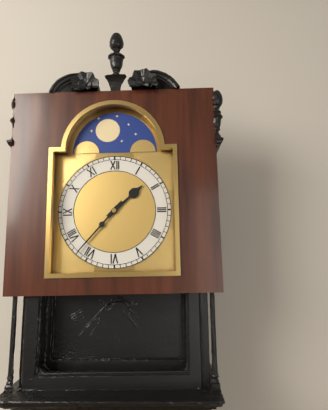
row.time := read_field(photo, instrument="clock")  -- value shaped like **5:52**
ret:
**1:37**
